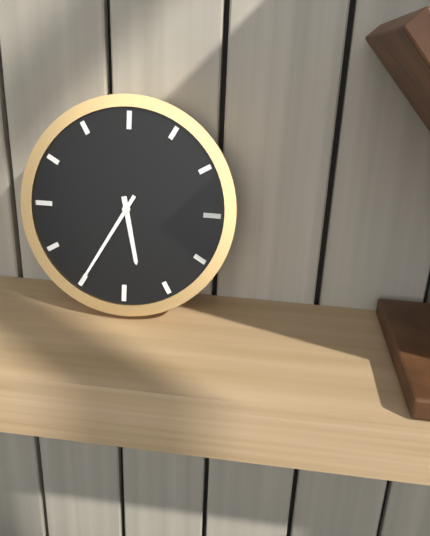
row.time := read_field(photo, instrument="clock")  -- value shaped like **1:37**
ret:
**5:35**
